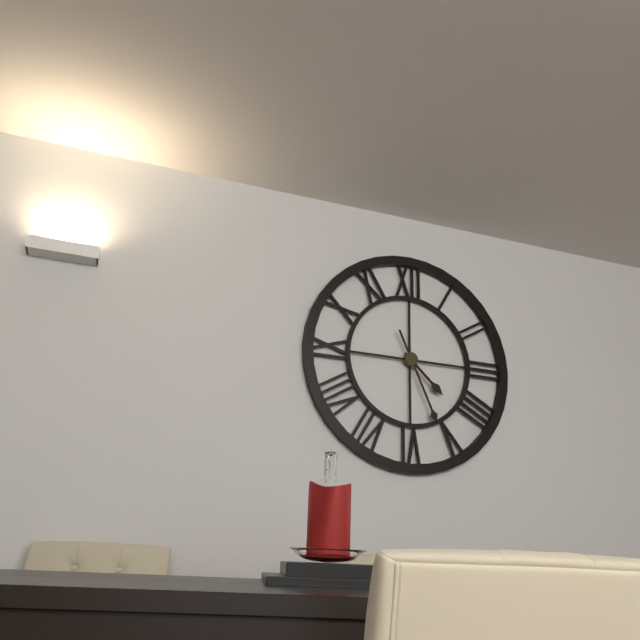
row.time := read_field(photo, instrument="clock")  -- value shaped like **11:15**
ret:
**4:26**
